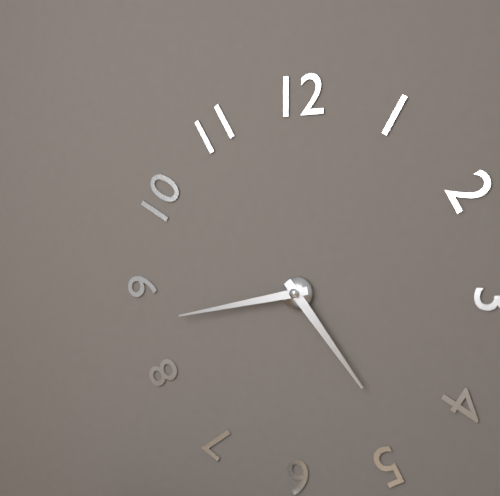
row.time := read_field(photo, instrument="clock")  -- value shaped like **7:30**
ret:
**4:43**
